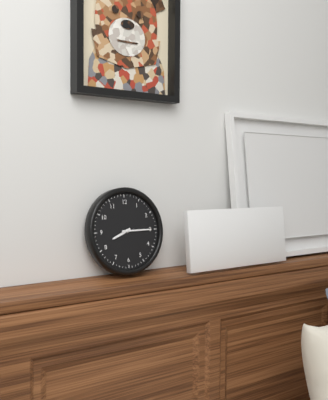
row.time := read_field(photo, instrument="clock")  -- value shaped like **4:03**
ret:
**8:15**
